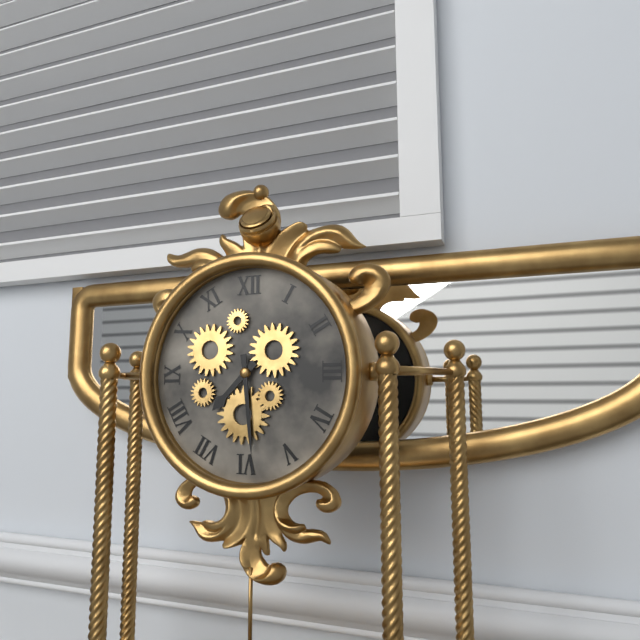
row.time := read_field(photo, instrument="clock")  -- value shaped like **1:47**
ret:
**7:29**
